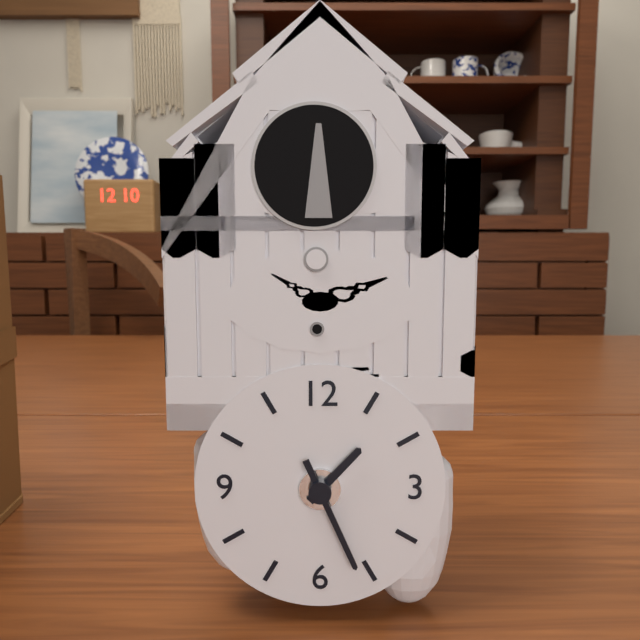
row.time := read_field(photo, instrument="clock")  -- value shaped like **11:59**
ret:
**1:26**
